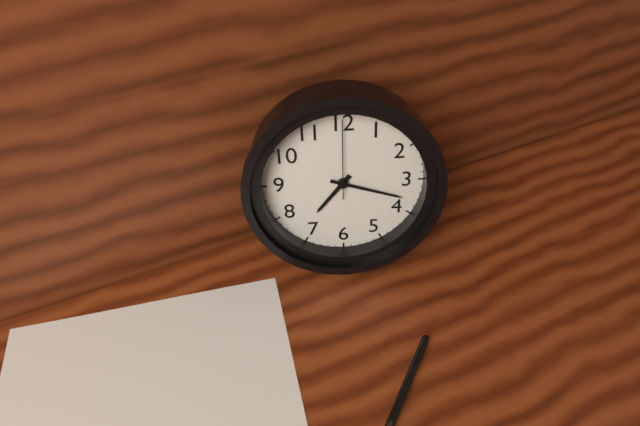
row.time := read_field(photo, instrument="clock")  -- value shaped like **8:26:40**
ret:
**7:18:00**
